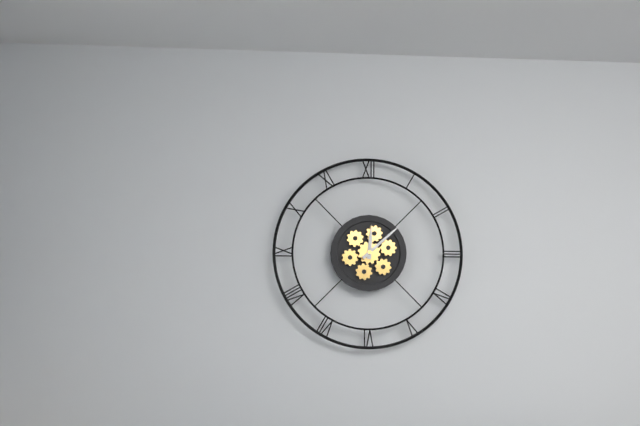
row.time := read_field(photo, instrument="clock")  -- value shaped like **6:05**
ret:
**12:08**
